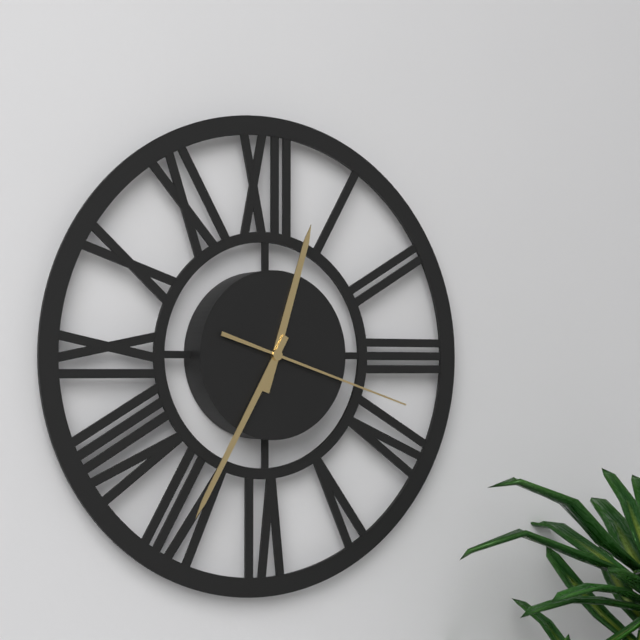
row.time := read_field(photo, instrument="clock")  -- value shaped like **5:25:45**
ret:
**12:35:18**
